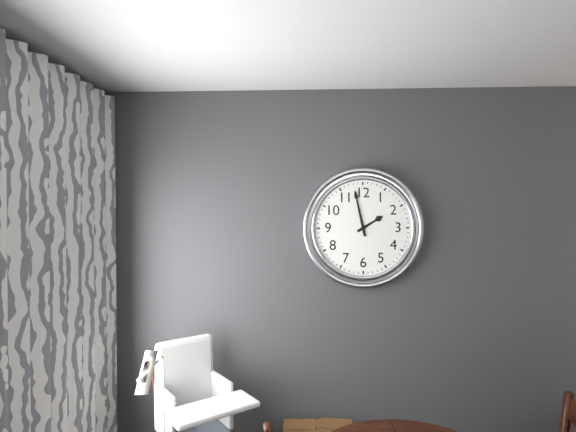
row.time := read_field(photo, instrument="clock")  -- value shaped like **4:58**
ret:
**1:58**
